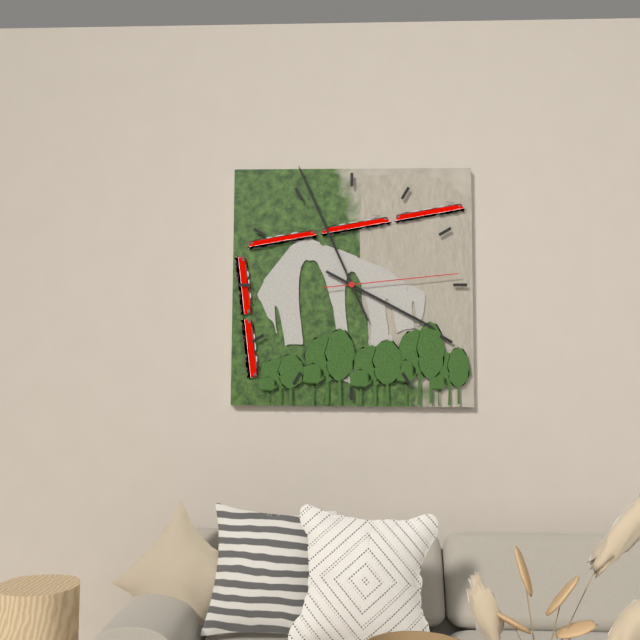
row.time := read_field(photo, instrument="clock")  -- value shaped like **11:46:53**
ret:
**3:56:14**
